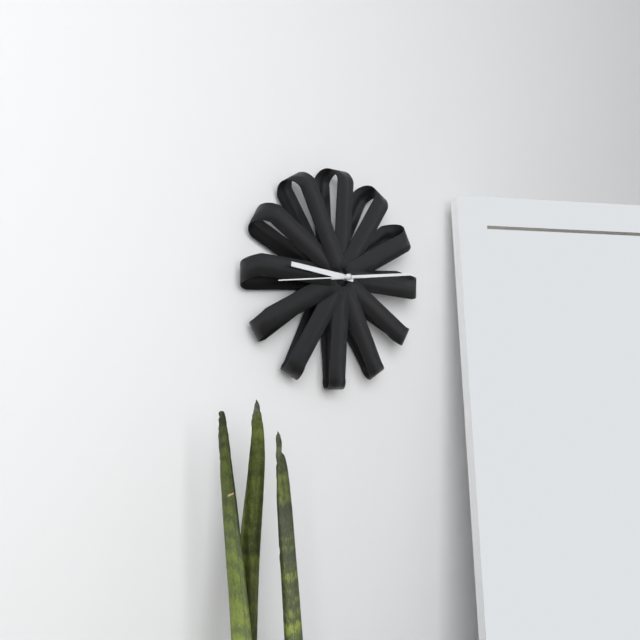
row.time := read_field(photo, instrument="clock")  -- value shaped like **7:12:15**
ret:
**9:14:44**
